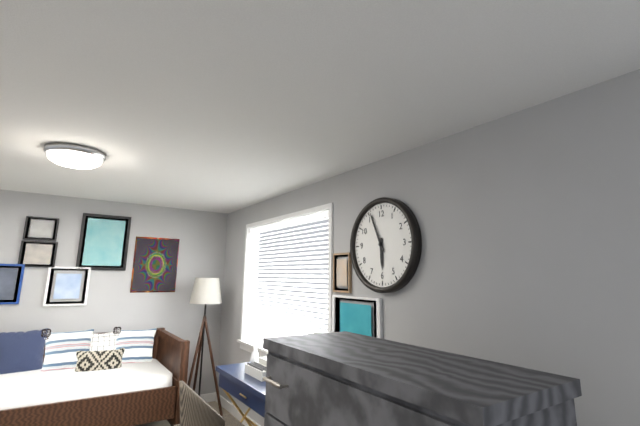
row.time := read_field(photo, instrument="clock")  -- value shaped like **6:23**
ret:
**5:56**
